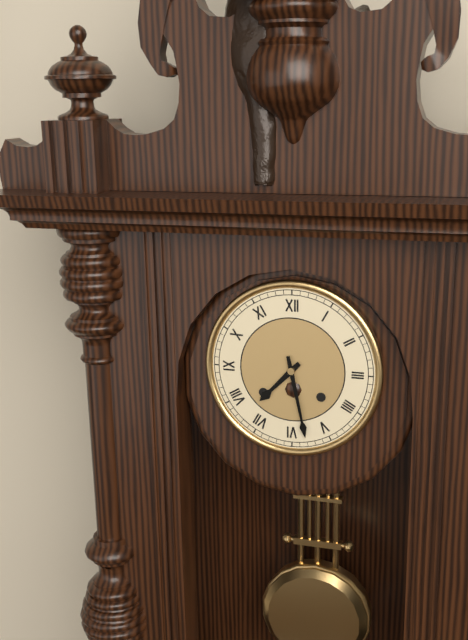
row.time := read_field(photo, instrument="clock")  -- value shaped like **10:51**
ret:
**7:28**
